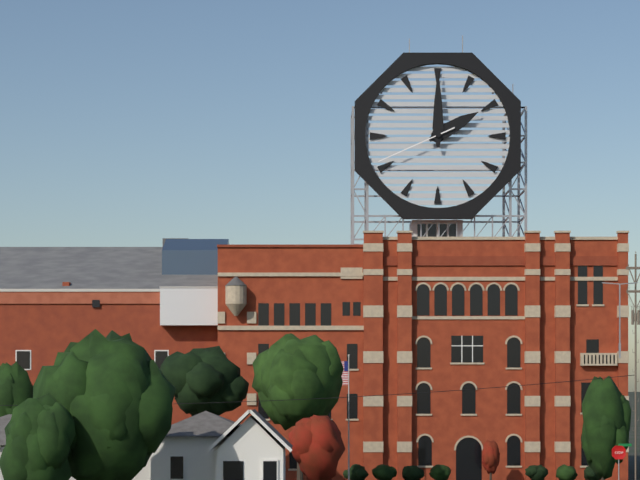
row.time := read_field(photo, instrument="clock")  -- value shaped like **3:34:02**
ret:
**2:00:41**
